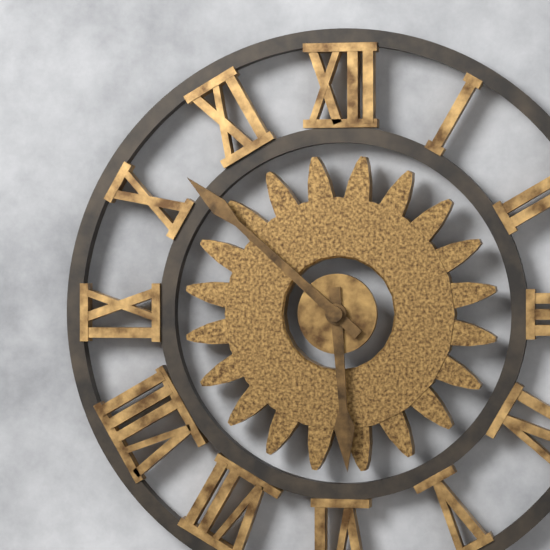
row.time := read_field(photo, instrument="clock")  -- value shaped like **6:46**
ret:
**5:52**
